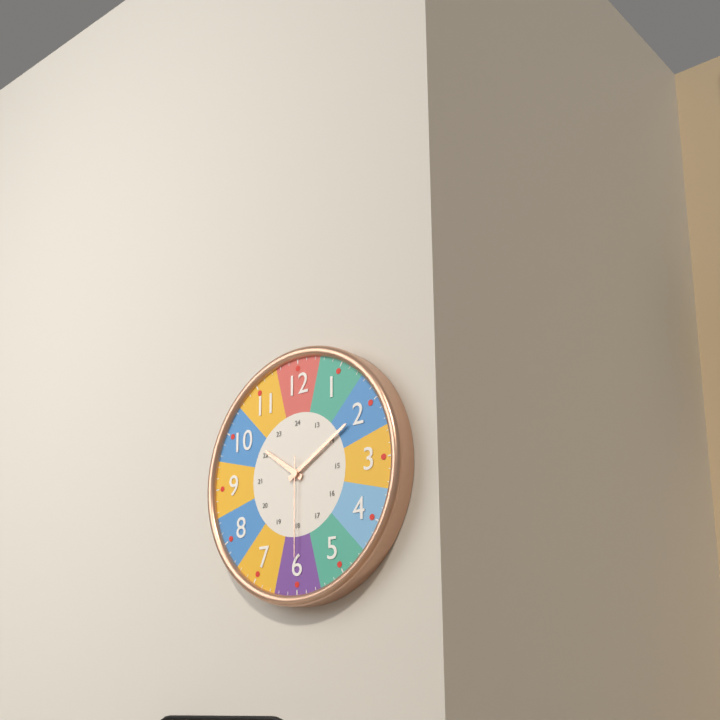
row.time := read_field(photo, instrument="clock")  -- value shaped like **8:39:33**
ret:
**10:10:30**
